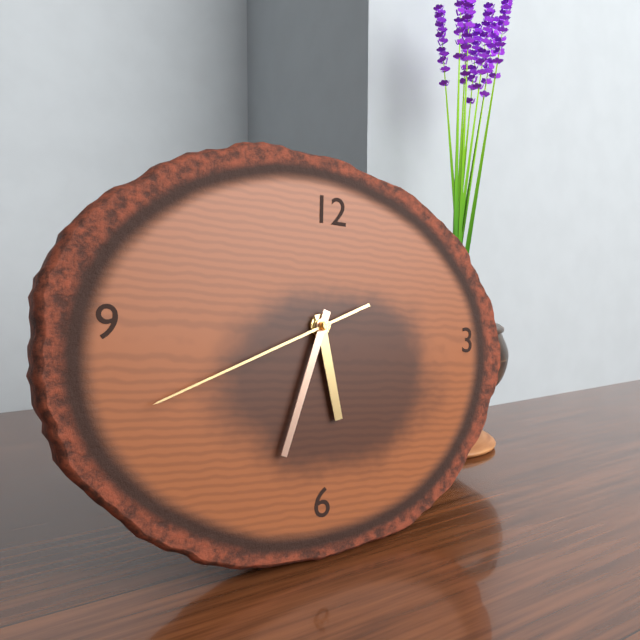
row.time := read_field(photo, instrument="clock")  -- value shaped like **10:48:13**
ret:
**5:33:41**
